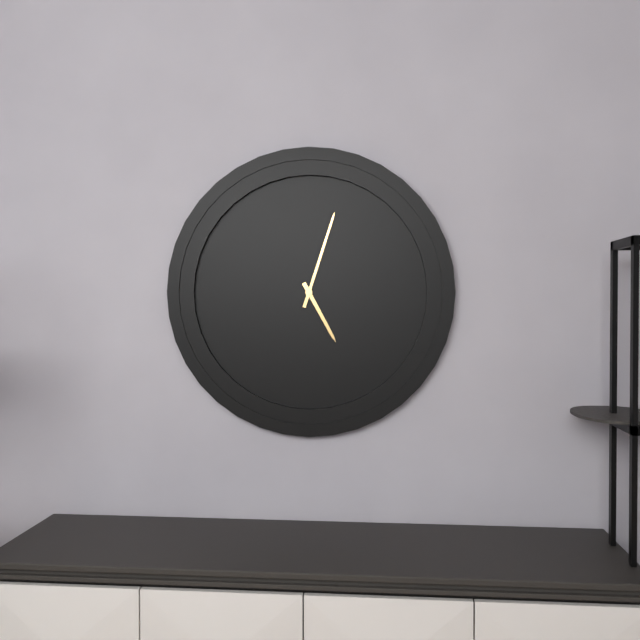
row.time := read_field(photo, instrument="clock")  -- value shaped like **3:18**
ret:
**5:03**
